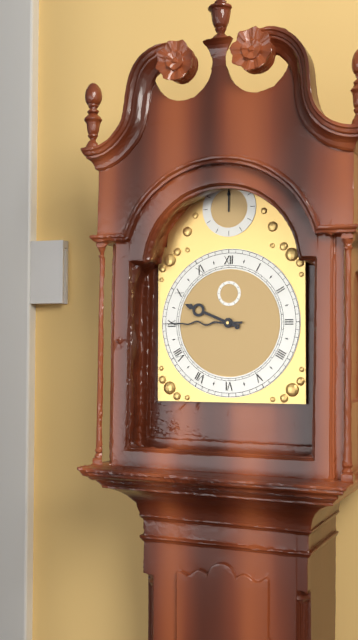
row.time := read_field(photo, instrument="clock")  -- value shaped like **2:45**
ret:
**9:45**
